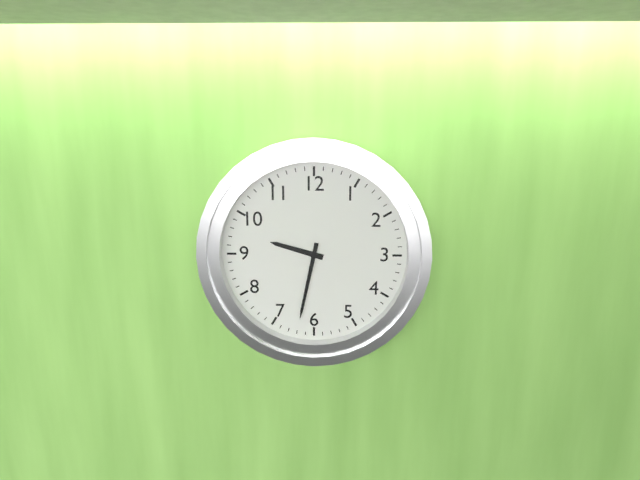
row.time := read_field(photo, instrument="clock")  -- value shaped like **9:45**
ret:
**9:32**
